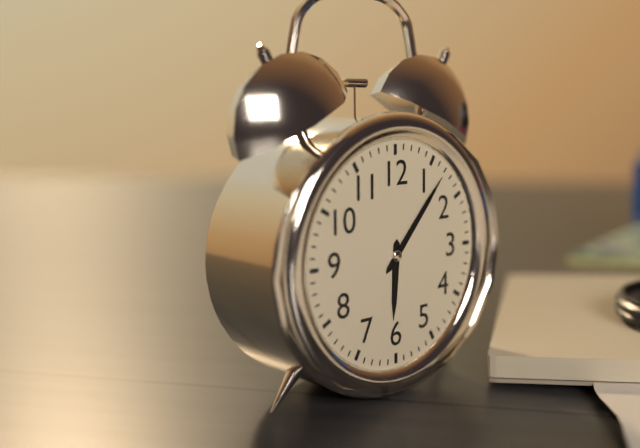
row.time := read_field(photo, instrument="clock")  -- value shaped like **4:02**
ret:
**6:07**
